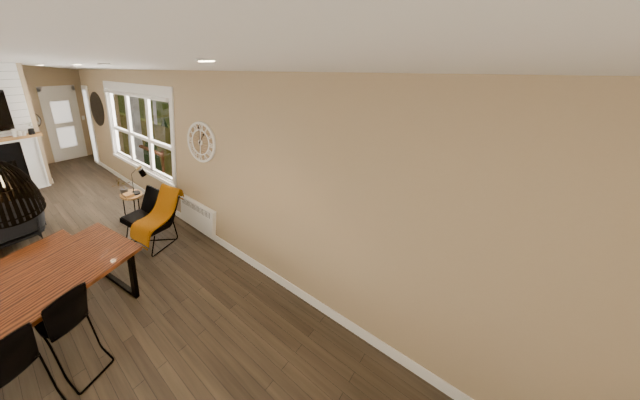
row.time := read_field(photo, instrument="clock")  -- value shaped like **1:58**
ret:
**12:59**
